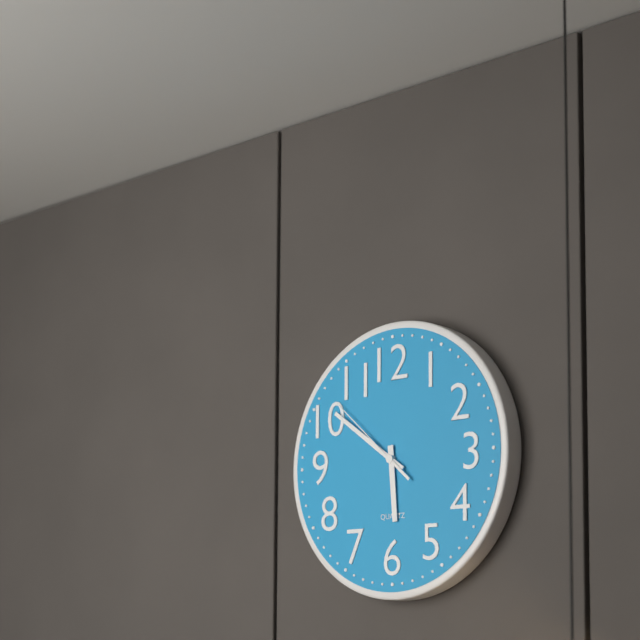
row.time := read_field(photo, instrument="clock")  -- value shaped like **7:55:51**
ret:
**5:51:52**
